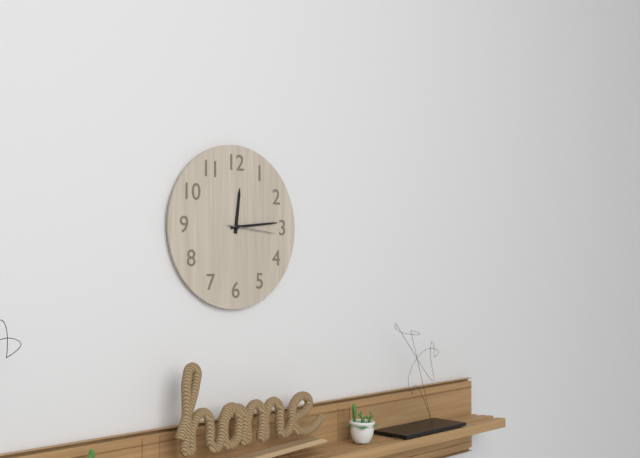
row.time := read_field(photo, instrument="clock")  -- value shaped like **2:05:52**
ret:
**12:14:16**
